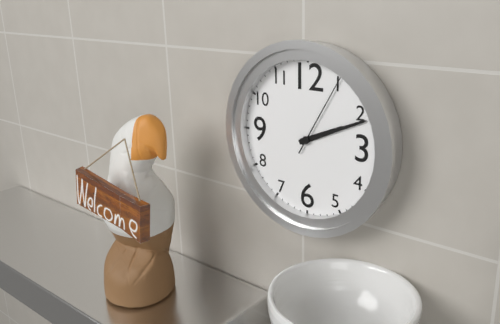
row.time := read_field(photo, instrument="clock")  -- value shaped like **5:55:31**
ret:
**2:11:05**
